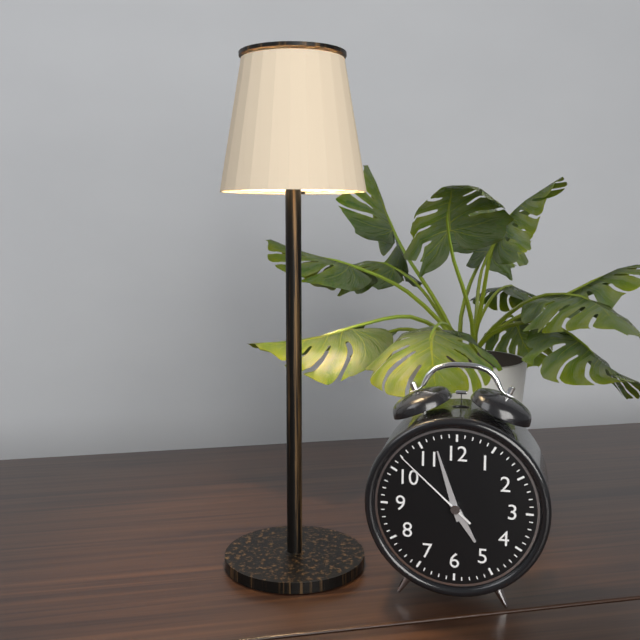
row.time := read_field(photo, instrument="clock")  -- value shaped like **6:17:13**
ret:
**4:57:52**
